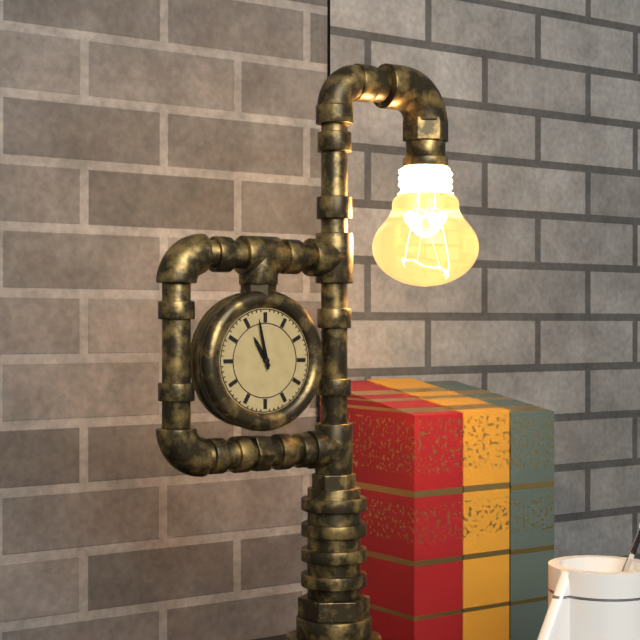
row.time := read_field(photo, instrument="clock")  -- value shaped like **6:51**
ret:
**10:58**
